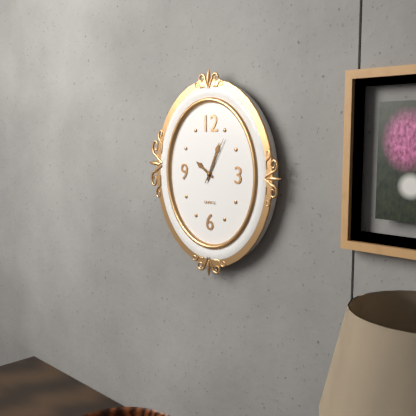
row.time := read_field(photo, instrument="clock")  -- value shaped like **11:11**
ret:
**10:04**
